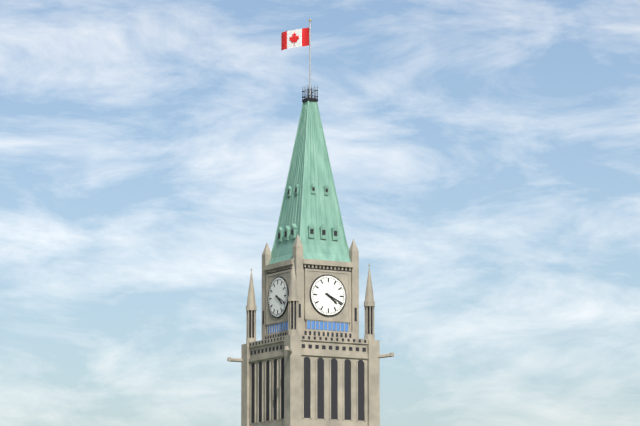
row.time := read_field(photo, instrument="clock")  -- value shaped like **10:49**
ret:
**4:19**
